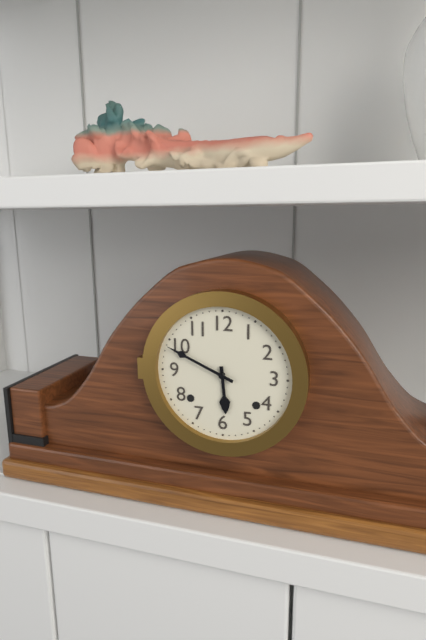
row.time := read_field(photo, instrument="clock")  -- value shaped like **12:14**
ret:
**5:49**
